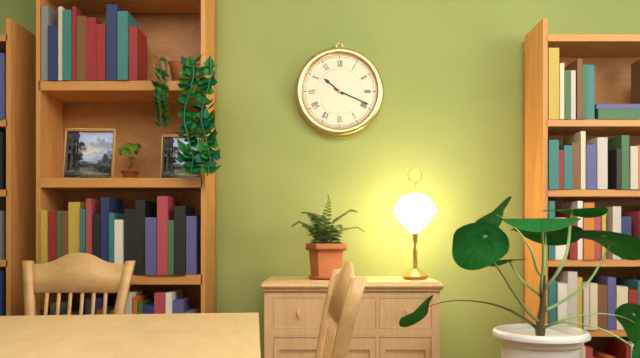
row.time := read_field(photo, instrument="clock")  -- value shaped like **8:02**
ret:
**10:19**
